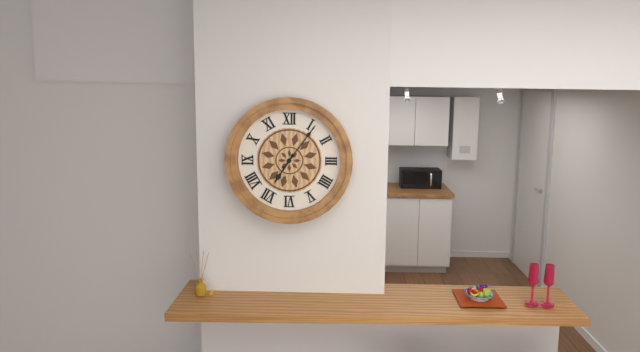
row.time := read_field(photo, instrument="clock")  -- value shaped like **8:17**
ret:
**7:06**
